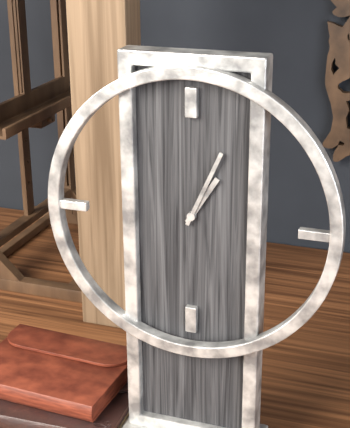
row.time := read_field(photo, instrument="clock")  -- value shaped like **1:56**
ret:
**1:04**
